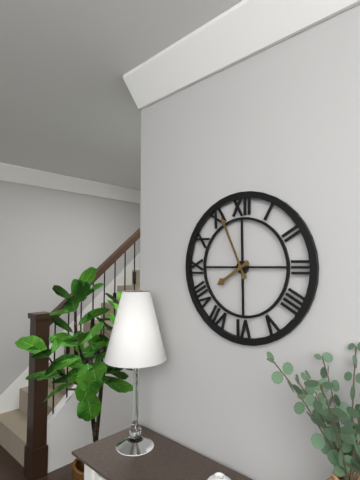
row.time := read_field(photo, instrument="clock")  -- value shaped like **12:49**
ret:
**7:56**
